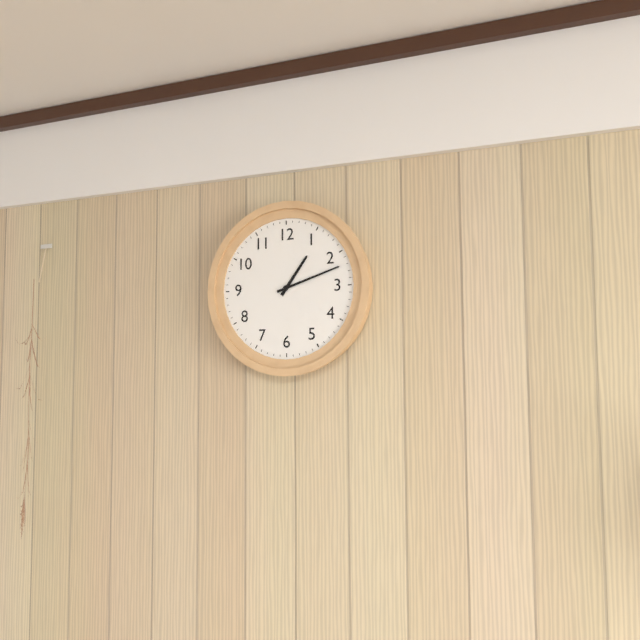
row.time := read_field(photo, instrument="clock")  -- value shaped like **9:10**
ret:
**1:12**
